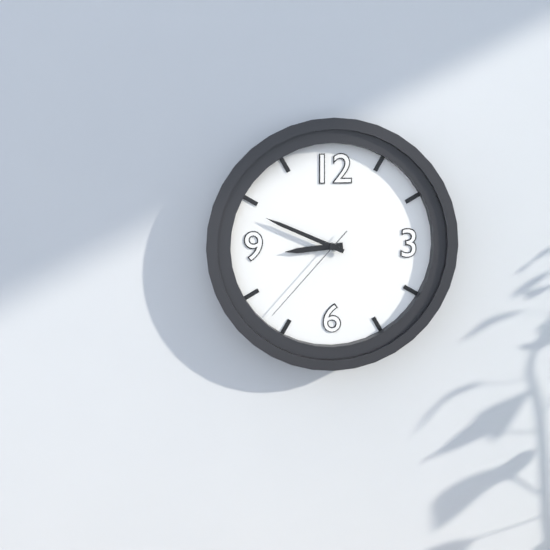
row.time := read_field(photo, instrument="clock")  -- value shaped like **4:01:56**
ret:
**8:49:37**
